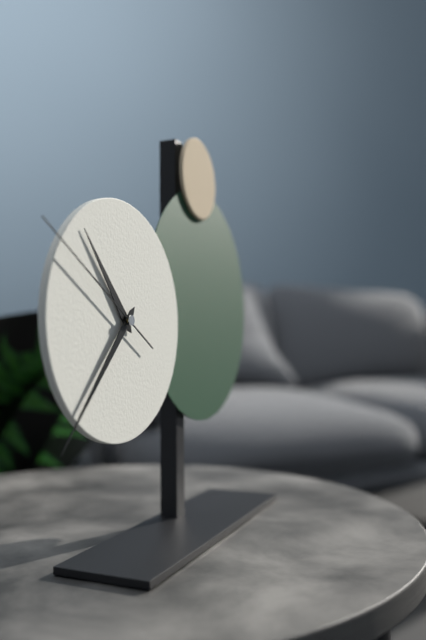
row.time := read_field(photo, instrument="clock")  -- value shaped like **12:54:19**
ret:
**10:37:50**
